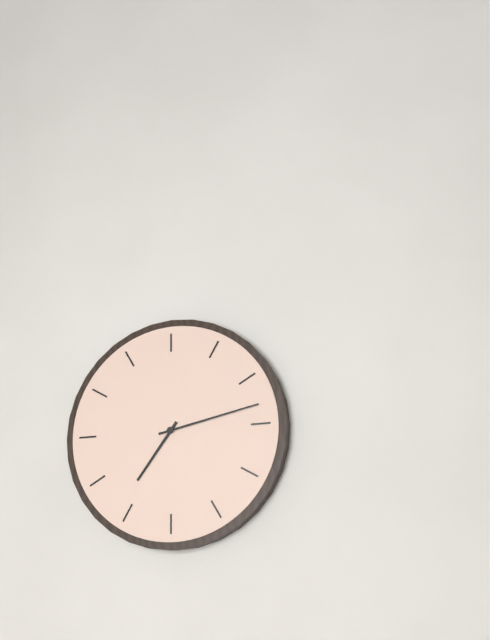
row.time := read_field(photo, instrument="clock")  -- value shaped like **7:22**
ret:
**7:13**
